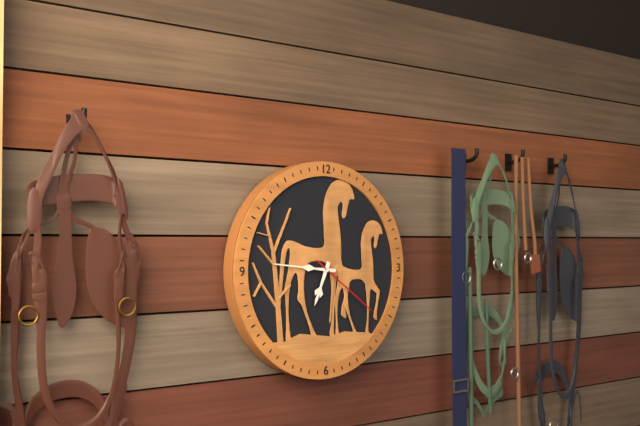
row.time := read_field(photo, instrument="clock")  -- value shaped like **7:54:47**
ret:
**6:46:21**
